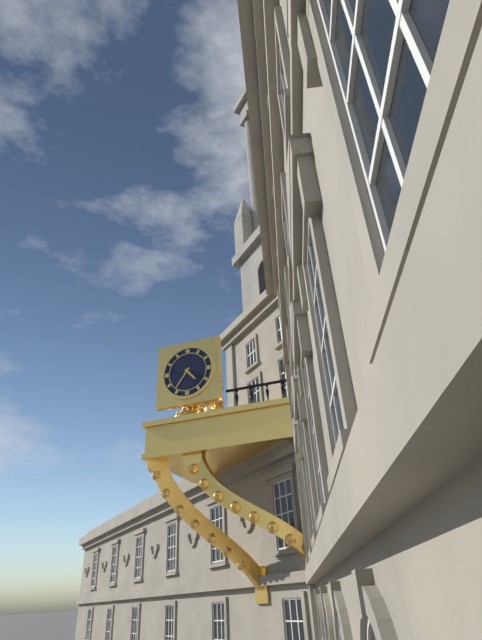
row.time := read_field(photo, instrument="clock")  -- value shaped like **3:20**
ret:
**4:36**
